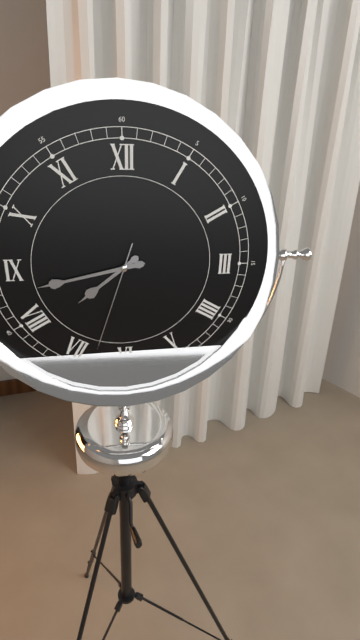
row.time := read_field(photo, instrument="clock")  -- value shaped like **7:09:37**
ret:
**7:43:33**
